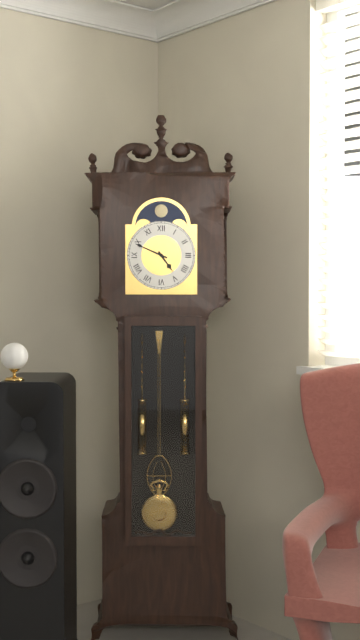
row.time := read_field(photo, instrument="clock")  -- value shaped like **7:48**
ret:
**4:49**
